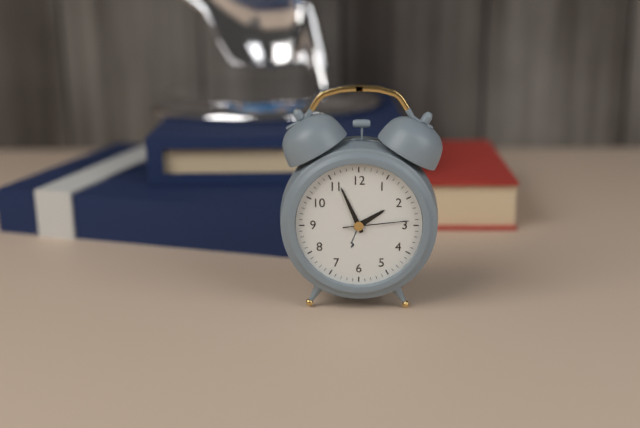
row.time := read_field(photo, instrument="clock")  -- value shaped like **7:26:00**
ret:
**1:56:14**
